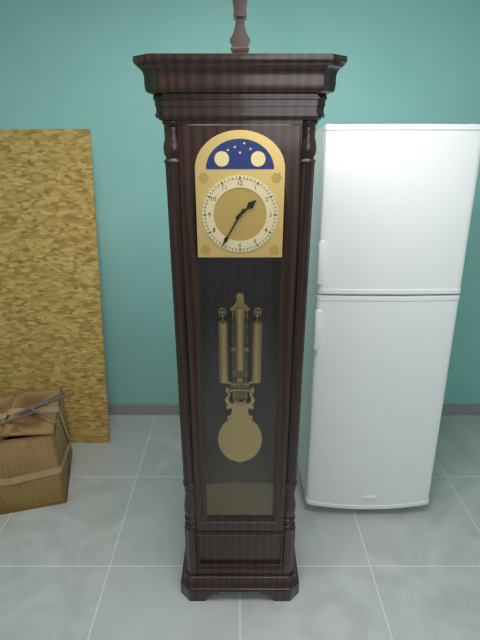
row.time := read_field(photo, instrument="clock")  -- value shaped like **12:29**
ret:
**1:35**
